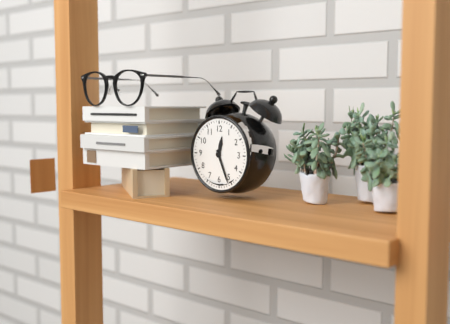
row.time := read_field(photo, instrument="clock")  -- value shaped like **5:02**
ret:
**12:26**
